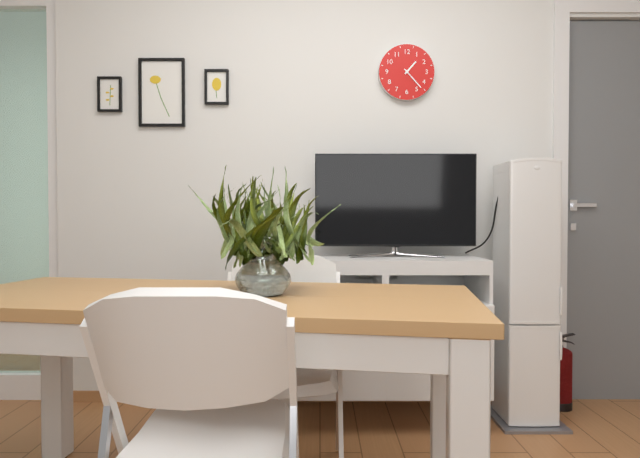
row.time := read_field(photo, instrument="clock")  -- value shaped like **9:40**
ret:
**1:23**
